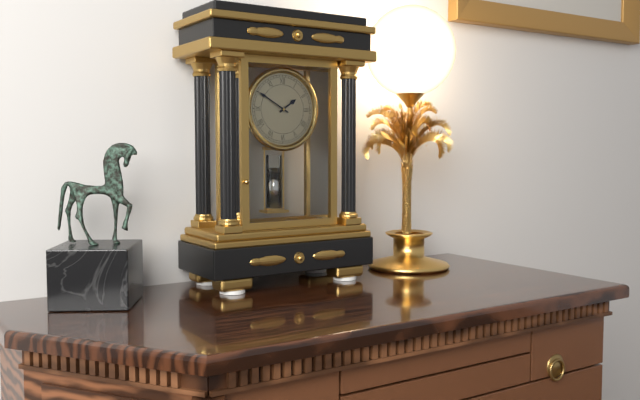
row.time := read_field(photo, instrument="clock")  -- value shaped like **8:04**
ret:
**1:50**
